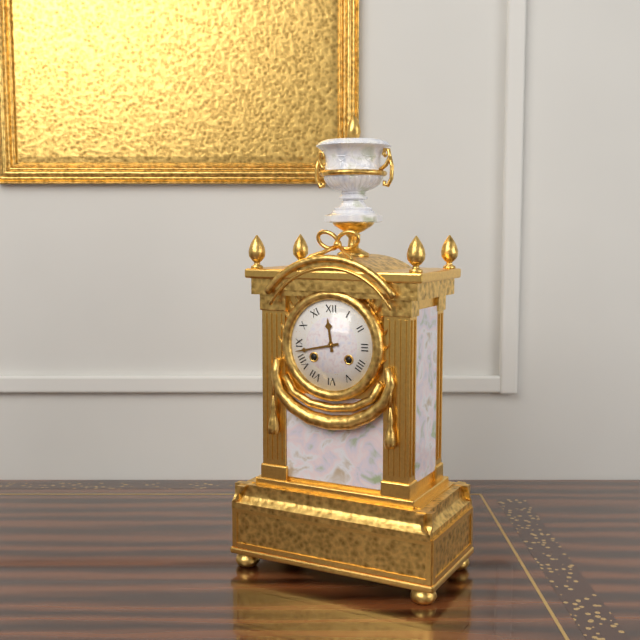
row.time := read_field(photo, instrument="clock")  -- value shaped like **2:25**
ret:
**11:43**
